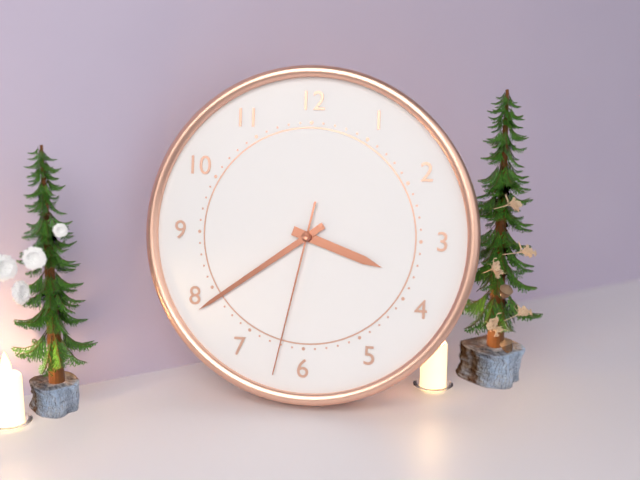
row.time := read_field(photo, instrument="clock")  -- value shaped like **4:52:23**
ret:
**3:39:32**
